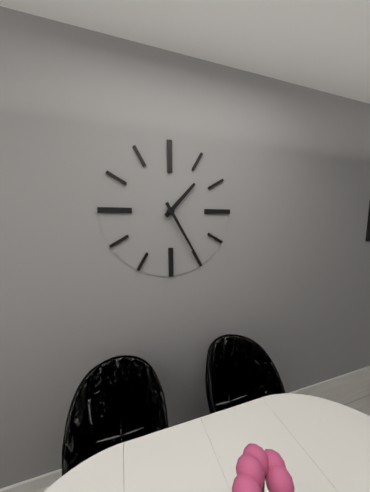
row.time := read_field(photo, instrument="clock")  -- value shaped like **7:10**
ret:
**1:25**
